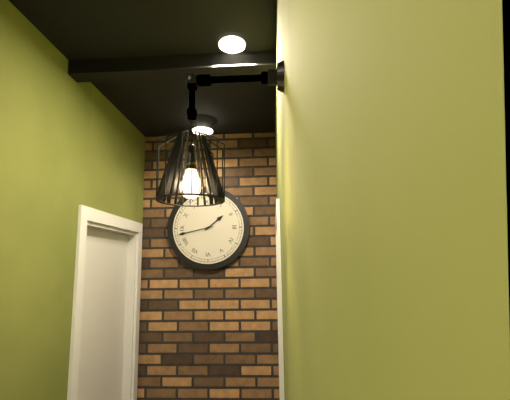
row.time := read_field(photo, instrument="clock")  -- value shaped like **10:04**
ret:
**1:43**
